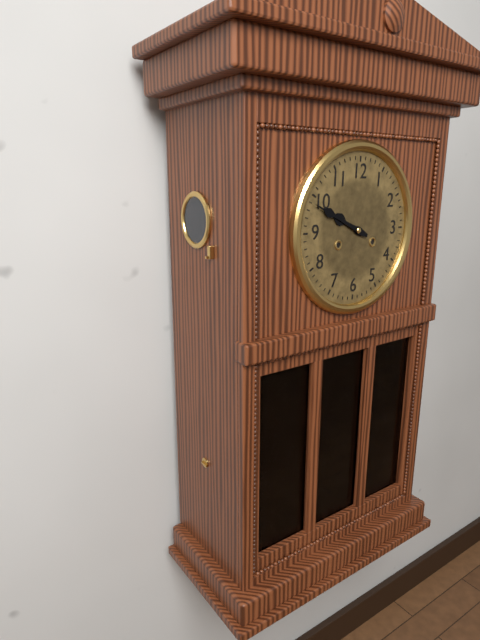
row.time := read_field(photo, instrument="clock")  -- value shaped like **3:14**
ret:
**9:49**
